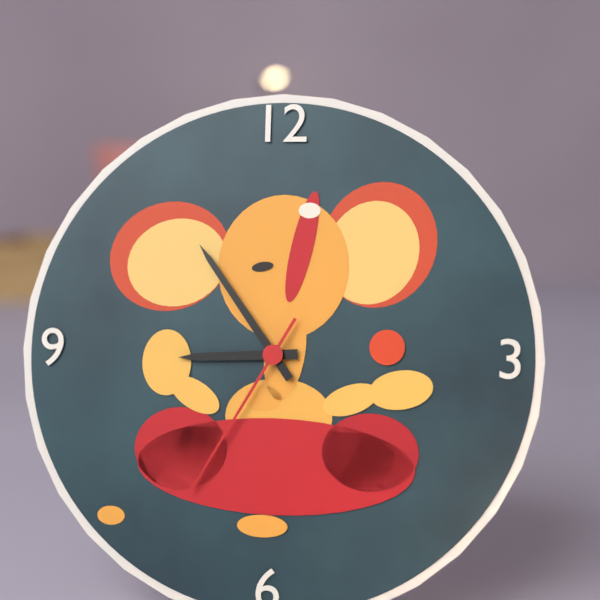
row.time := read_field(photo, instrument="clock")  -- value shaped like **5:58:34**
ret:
**8:54:35**
